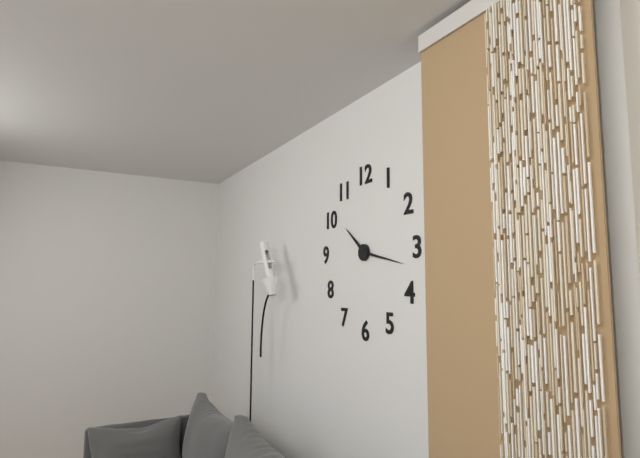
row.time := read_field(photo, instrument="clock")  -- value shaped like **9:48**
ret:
**10:17**
